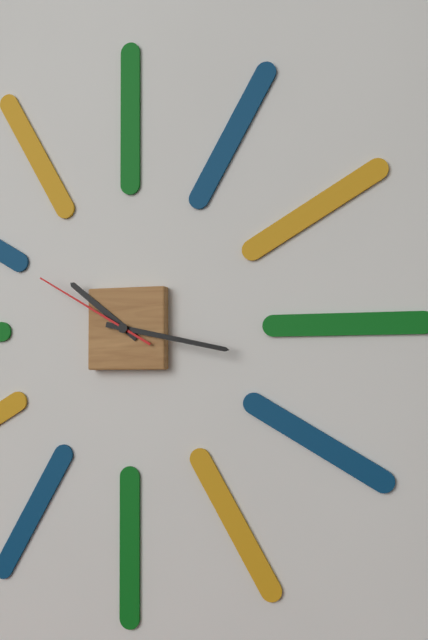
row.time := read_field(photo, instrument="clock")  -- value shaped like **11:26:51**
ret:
**10:17:50**
